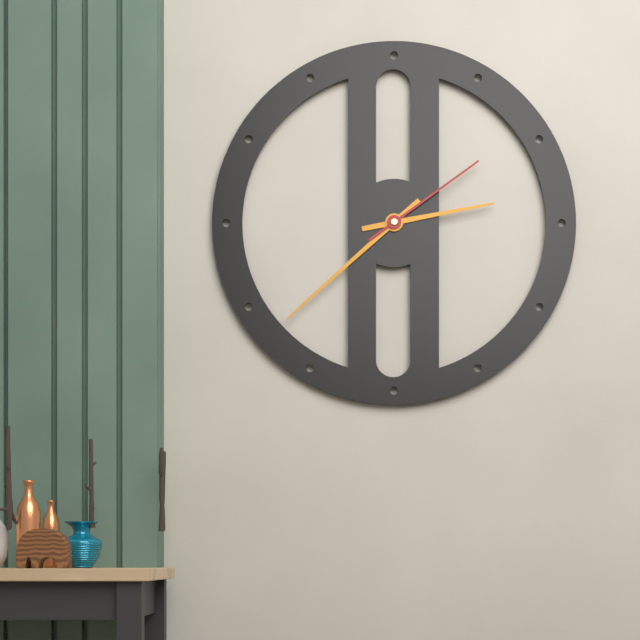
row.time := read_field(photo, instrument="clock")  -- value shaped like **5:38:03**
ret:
**2:38:09**
